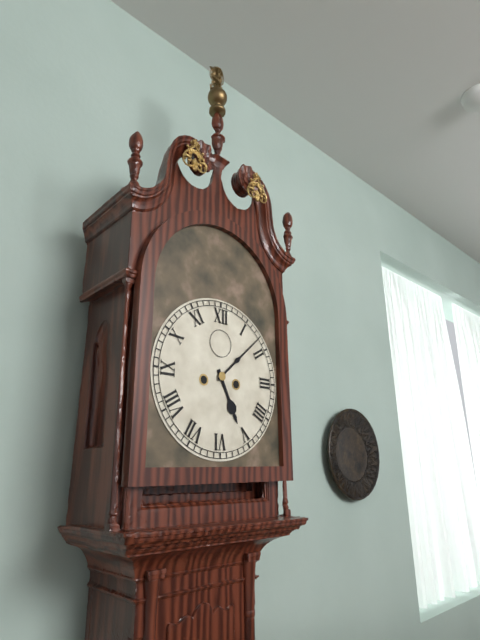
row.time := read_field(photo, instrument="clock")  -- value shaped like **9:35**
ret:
**5:08**
